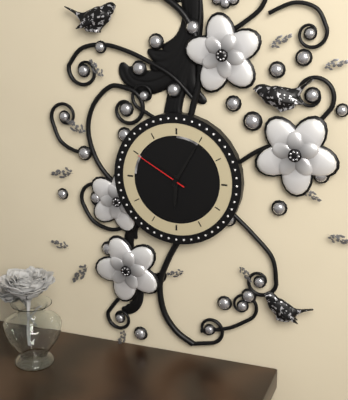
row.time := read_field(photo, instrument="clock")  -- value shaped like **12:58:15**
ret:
**6:05:50**
